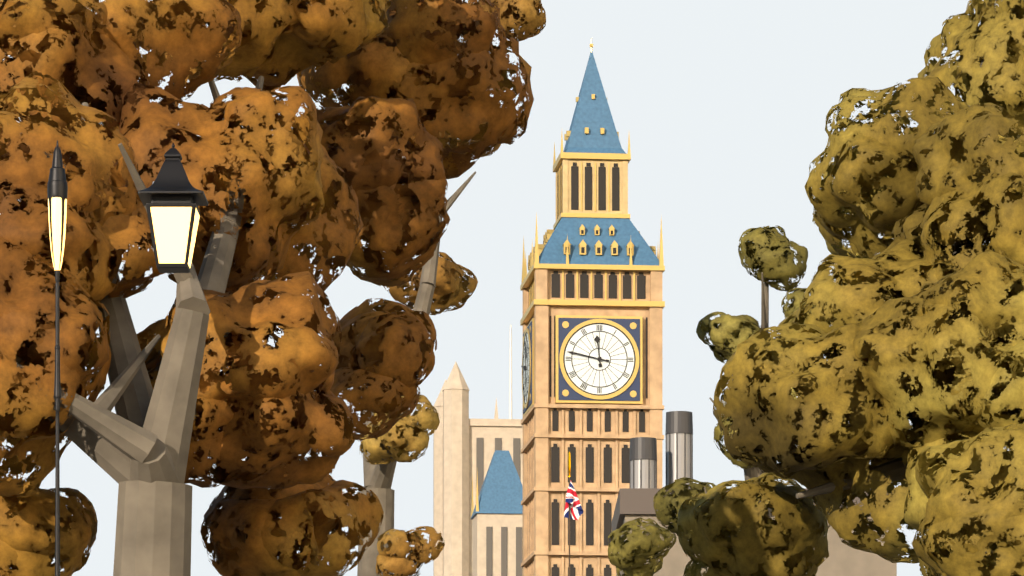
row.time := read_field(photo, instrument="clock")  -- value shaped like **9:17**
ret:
**11:47**
